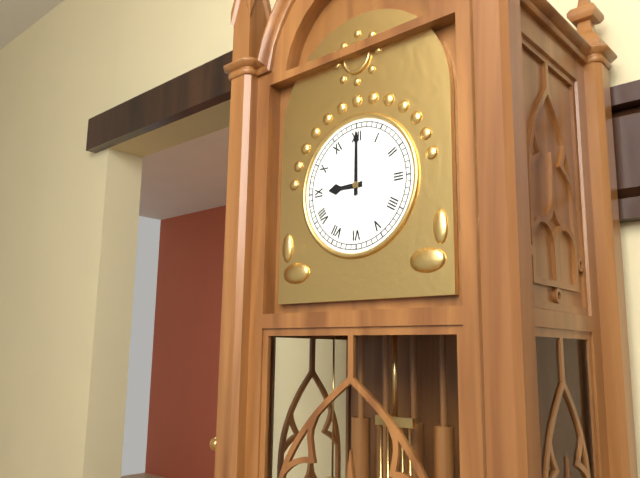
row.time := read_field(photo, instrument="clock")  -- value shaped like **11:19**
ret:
**9:00**
